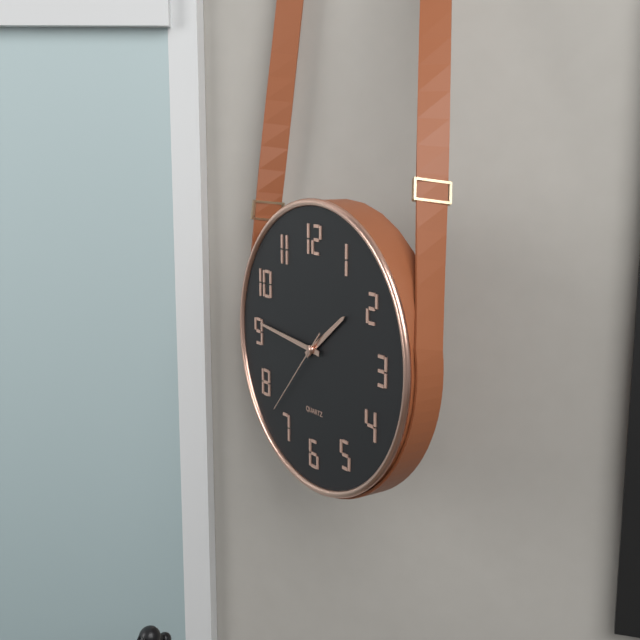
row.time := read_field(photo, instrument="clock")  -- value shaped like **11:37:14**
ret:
**1:46:37**
